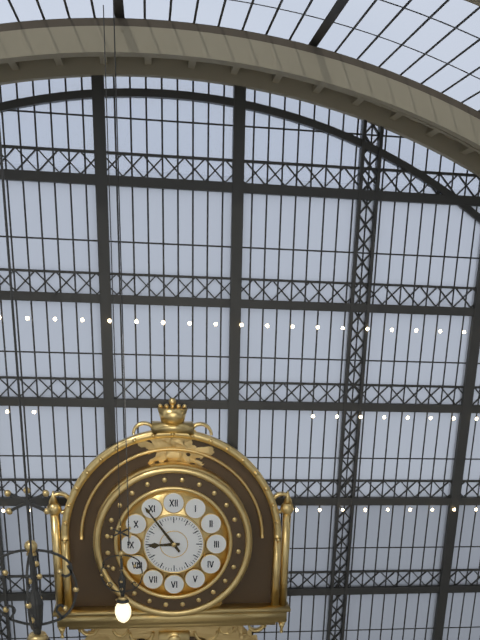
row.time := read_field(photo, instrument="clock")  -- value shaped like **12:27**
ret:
**8:54**
